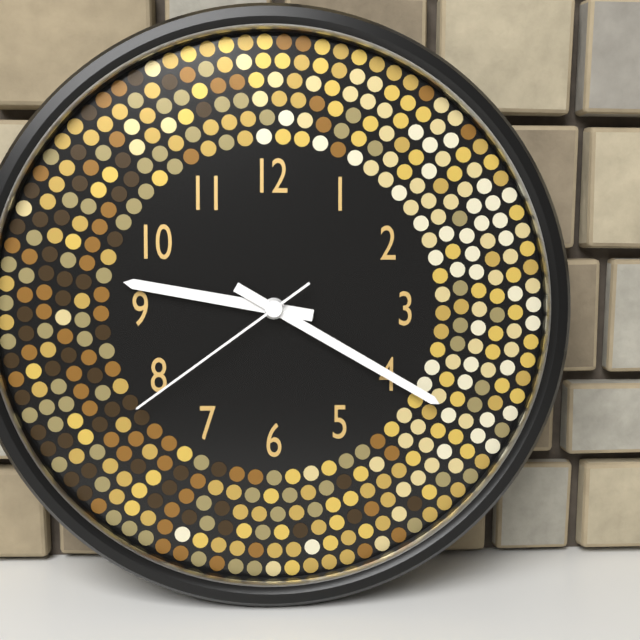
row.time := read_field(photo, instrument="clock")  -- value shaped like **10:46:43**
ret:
**9:20:39**
